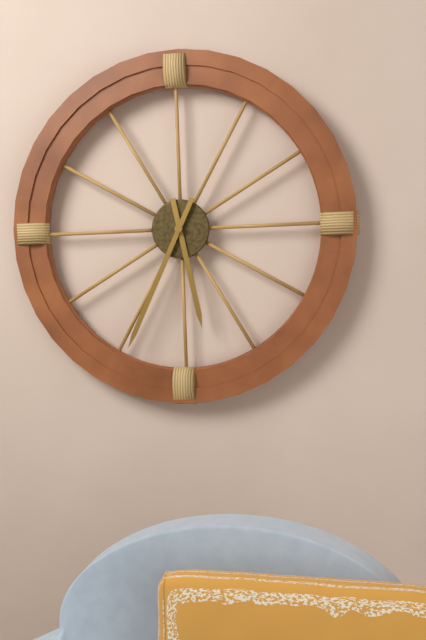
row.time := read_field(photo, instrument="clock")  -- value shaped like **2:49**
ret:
**5:34**
